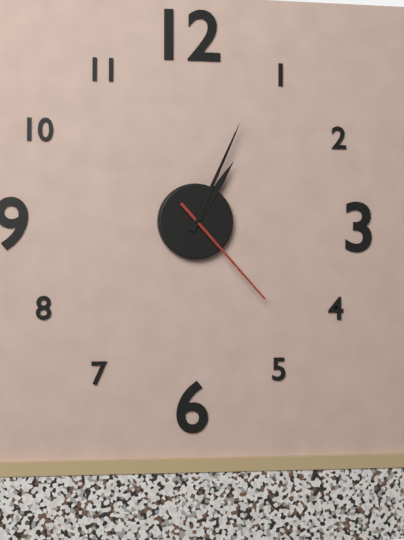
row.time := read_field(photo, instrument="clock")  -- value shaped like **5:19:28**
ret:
**1:04:23**
